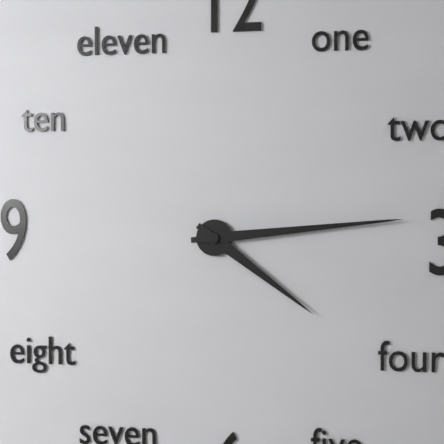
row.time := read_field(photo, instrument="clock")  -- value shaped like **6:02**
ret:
**4:14**
